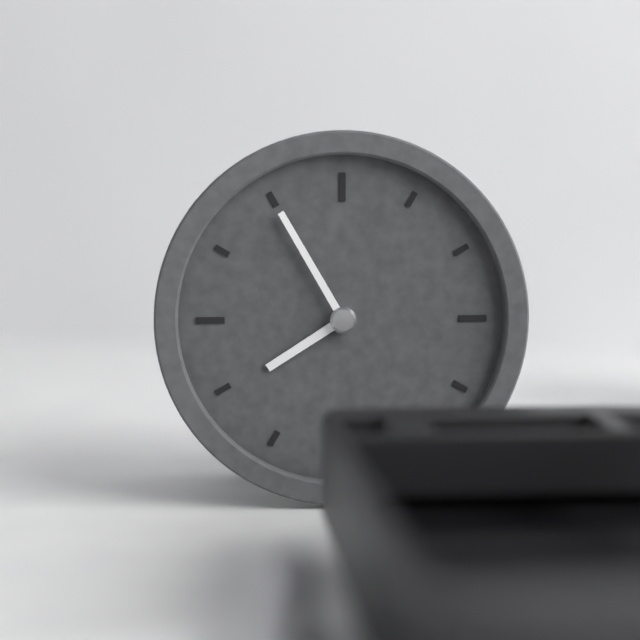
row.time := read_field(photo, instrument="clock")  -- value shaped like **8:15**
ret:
**7:55**
